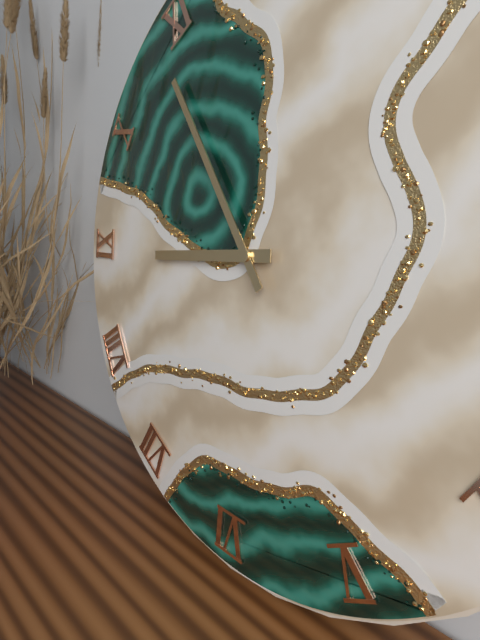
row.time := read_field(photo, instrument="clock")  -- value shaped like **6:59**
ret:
**8:54**
